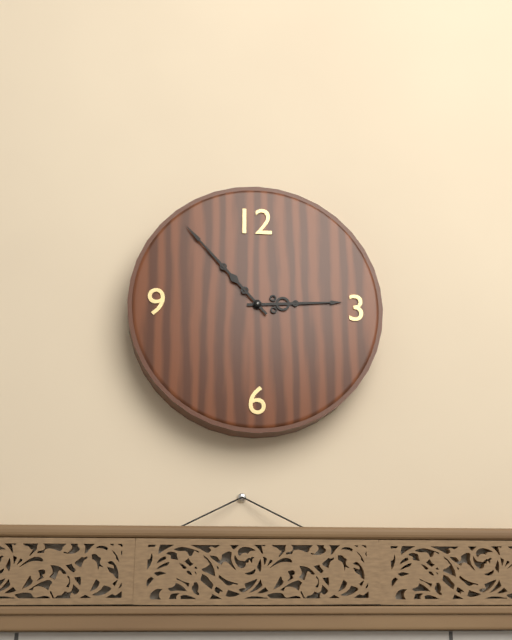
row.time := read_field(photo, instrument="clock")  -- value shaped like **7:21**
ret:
**2:53**
